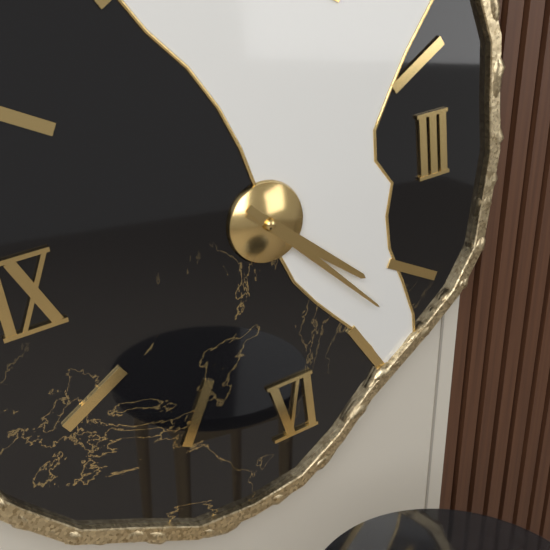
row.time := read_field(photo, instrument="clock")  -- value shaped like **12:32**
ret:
**4:23**
